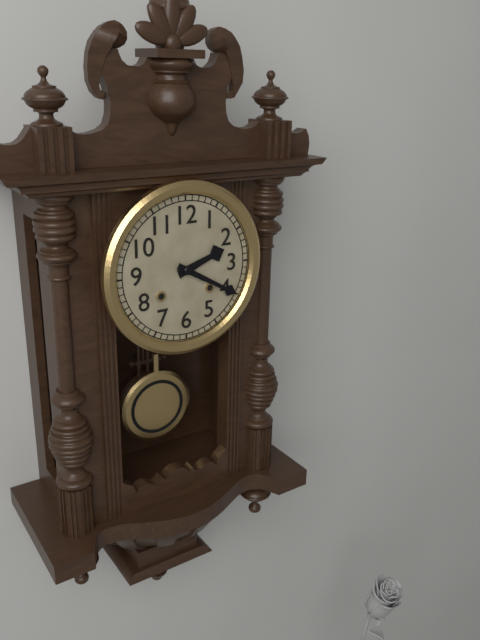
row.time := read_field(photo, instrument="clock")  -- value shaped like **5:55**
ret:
**2:20**
